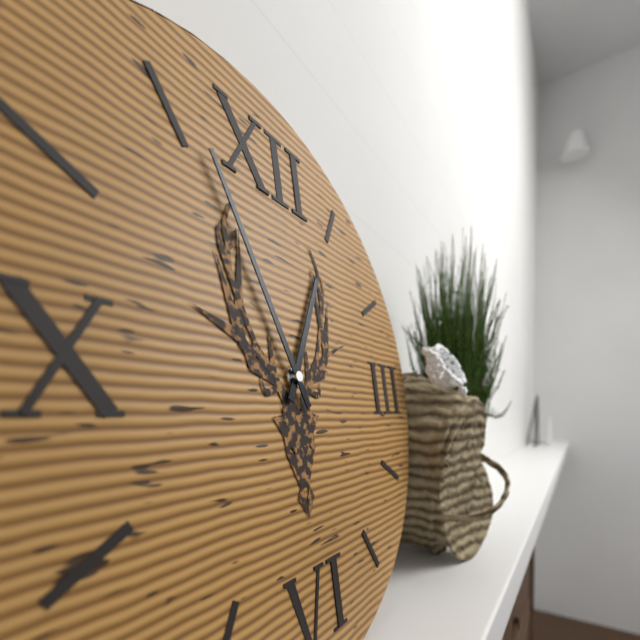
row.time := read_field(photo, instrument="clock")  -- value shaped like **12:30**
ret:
**12:56**
